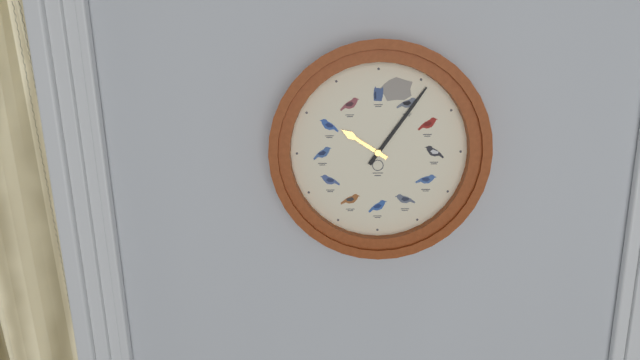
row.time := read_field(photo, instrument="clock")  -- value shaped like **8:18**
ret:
**10:06**
